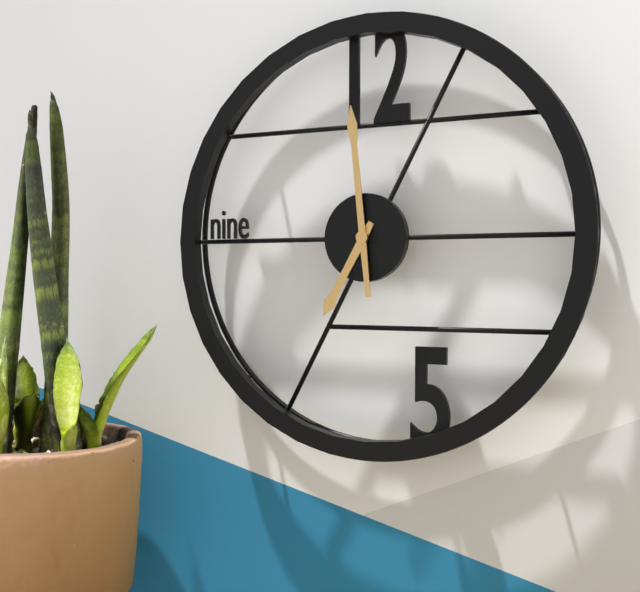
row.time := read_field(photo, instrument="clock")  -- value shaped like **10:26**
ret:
**6:59**
